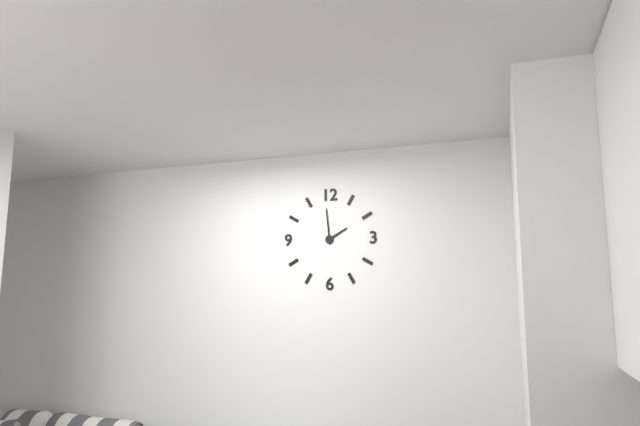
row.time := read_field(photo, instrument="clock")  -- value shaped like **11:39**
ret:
**1:59**
